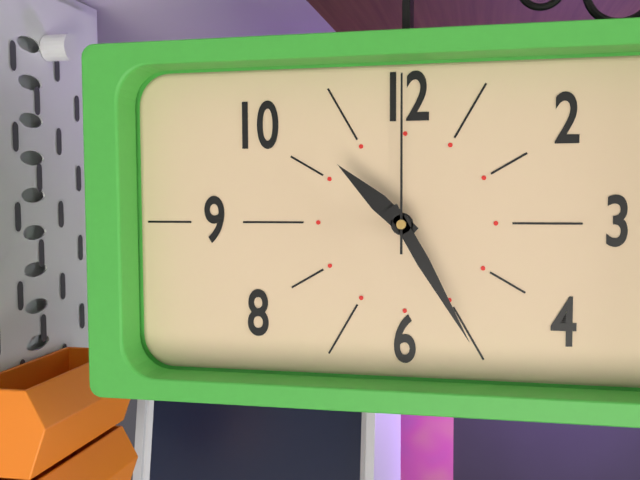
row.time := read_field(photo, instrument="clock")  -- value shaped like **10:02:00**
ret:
**10:25:00**
